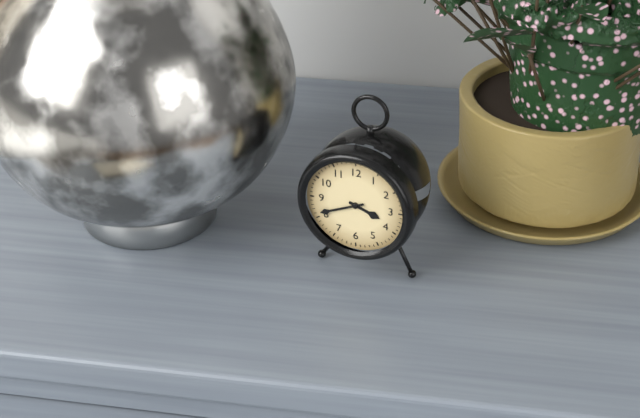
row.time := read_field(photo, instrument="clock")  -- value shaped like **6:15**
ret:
**3:41**
